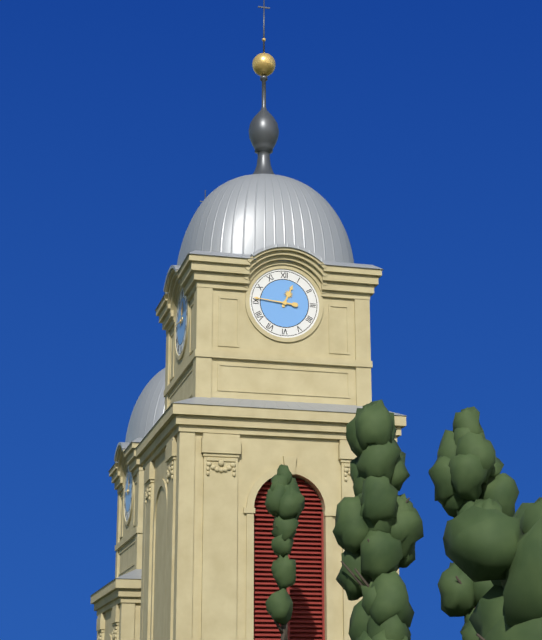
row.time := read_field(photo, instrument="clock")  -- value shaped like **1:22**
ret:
**12:46**
